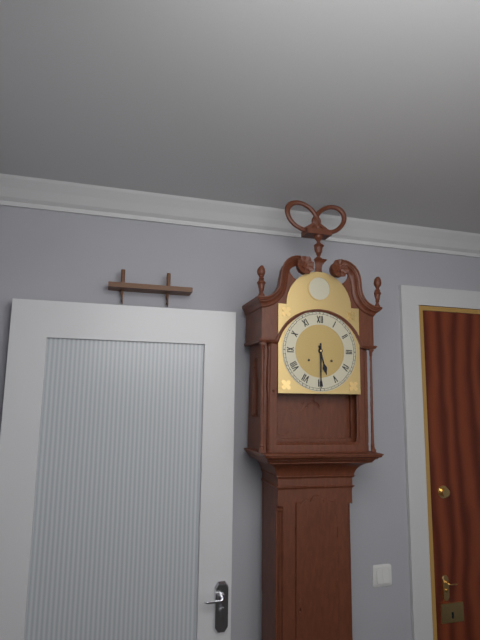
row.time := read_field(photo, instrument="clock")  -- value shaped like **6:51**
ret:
**5:30**
